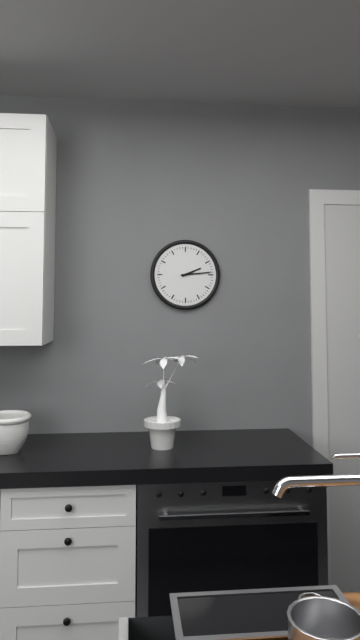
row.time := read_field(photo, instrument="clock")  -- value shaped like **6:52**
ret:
**2:14**
